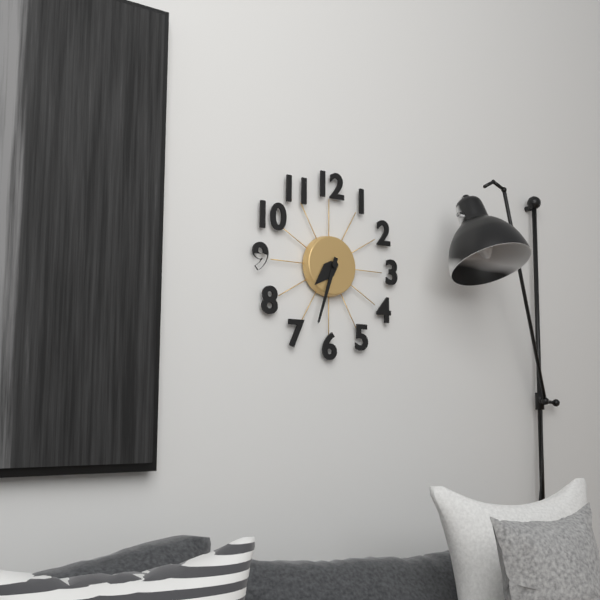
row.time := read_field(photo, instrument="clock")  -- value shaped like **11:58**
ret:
**7:33**
